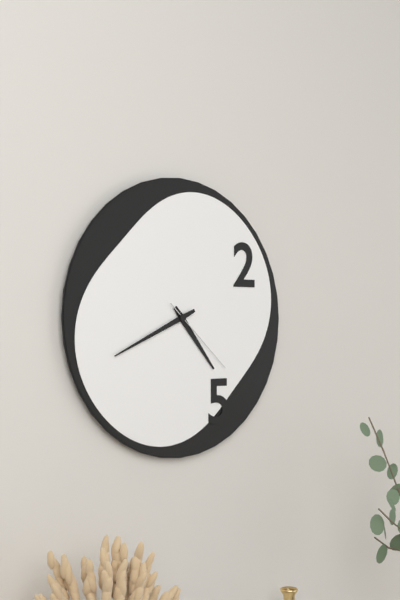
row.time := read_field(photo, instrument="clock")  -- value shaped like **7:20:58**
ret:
**4:41:22**
